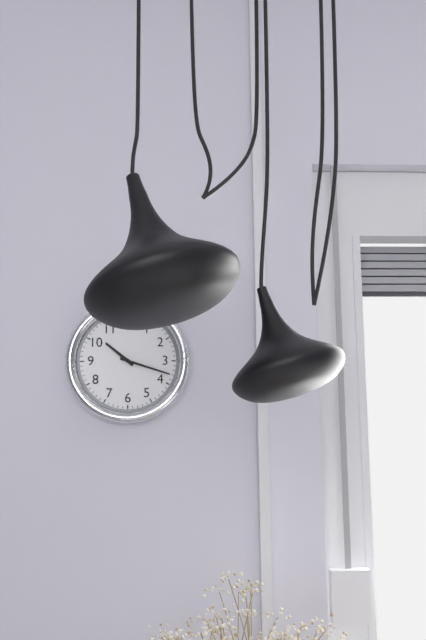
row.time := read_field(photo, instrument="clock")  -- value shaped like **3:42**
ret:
**10:18**
